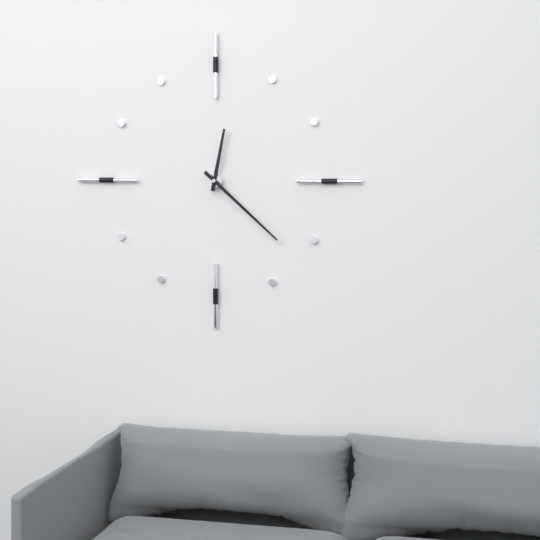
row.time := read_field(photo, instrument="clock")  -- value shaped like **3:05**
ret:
**12:22**
